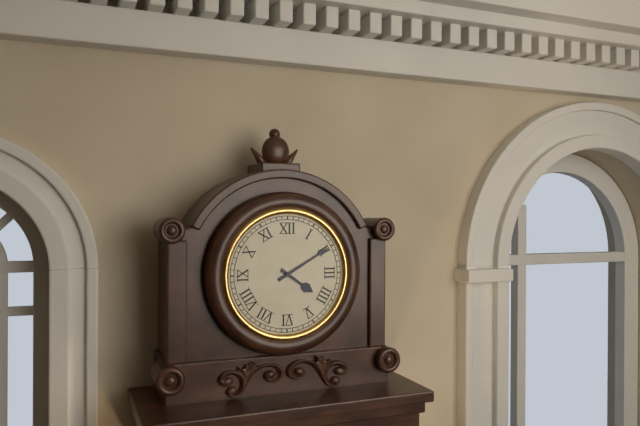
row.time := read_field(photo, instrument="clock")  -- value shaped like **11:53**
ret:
**4:10**
